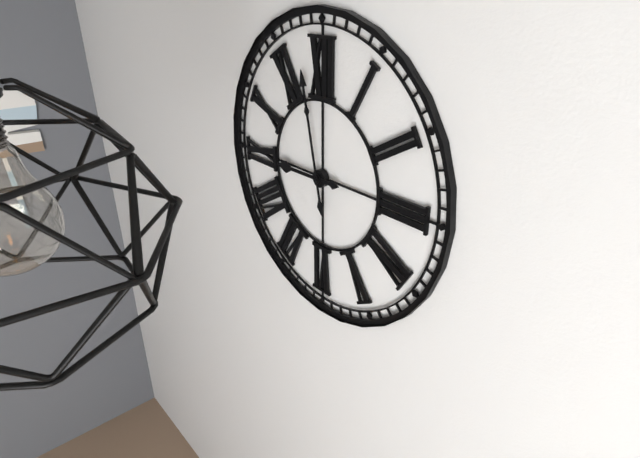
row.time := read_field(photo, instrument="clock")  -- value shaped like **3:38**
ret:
**8:58**
